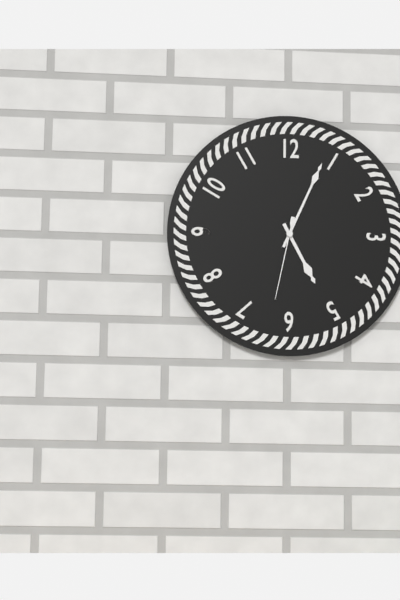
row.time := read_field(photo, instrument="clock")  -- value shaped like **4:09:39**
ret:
**5:04:32**
